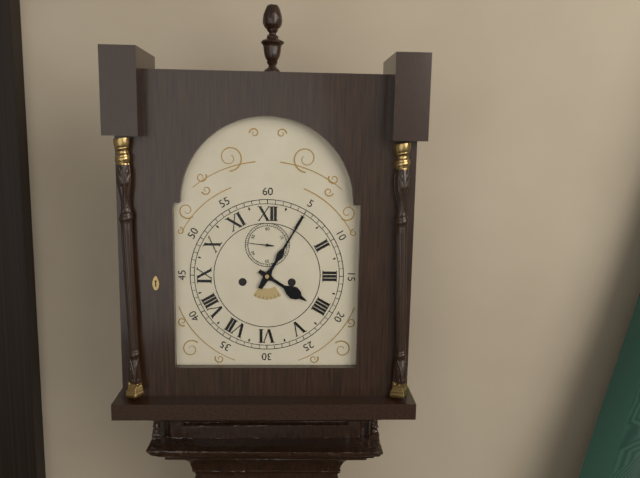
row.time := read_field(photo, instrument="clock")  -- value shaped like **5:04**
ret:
**4:05**
